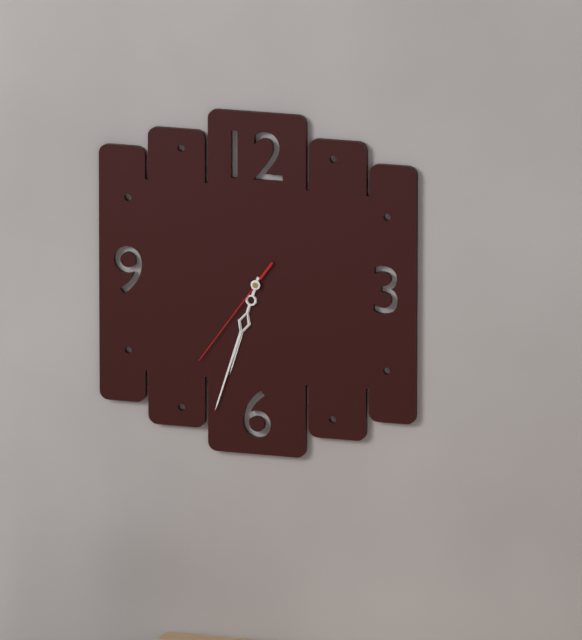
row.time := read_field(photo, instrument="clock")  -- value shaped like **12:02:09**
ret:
**6:33:36**
